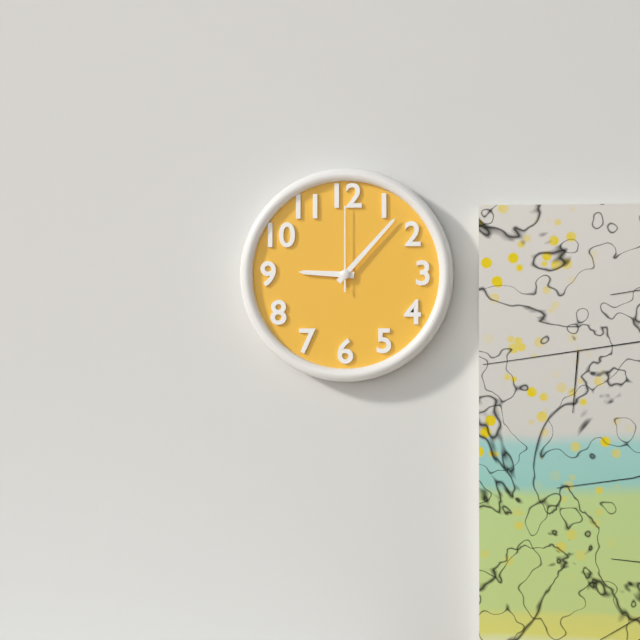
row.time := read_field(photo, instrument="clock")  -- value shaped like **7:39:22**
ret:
**9:07:00**
